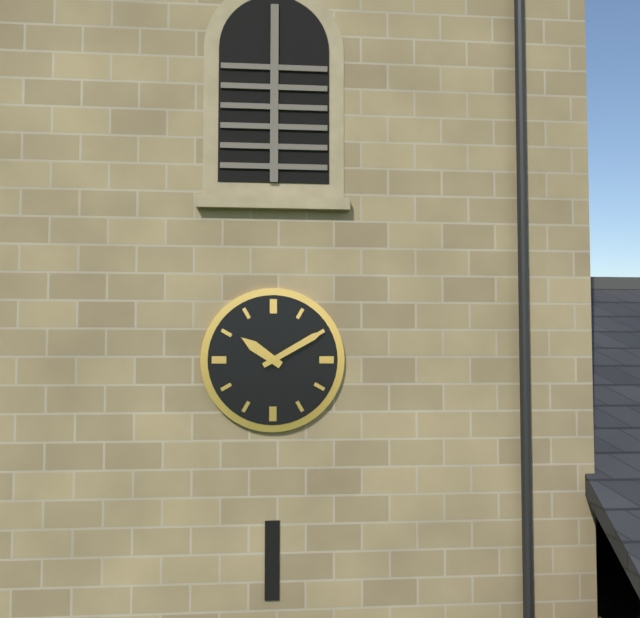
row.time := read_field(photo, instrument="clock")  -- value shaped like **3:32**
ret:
**10:10**
